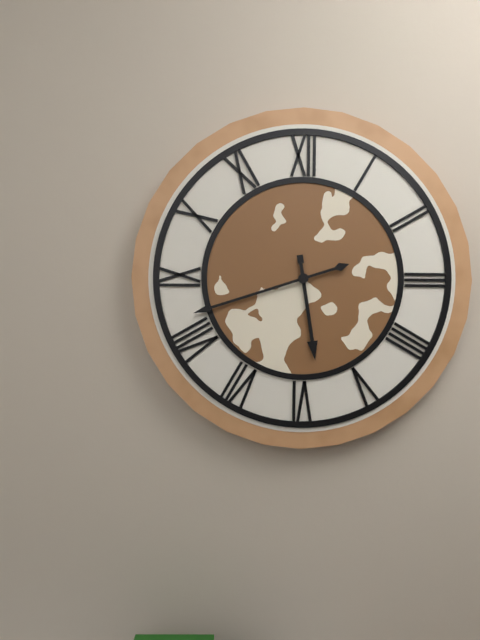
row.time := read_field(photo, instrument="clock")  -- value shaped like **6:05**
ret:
**5:42**
